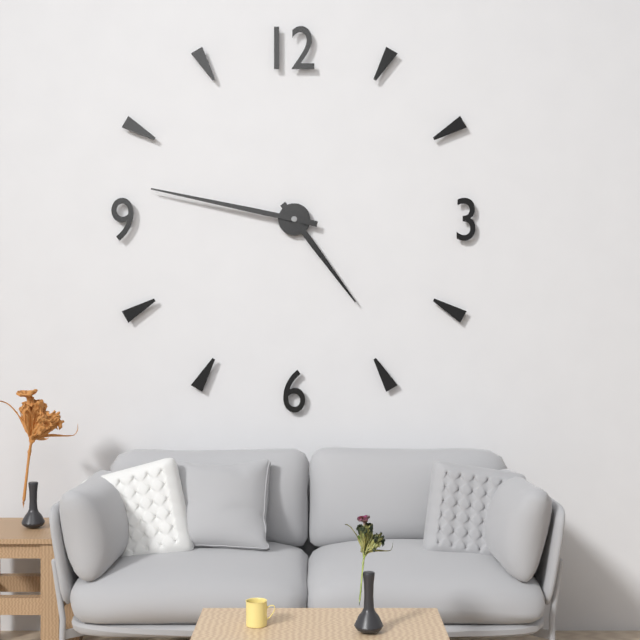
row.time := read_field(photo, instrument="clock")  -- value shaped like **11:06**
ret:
**4:47**
